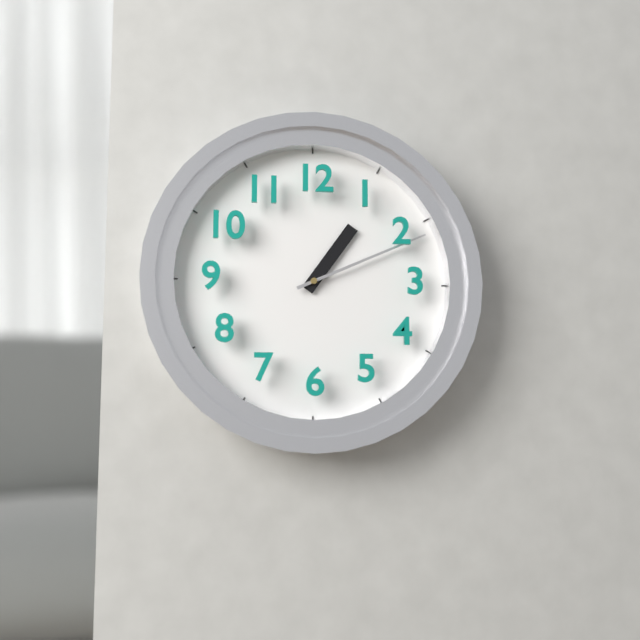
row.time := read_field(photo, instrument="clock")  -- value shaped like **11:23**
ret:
**1:11**
